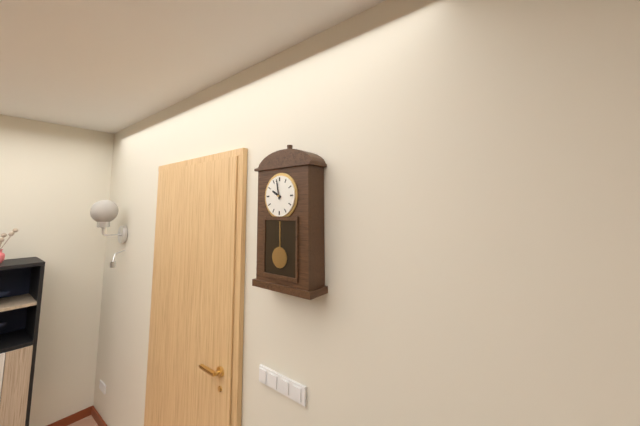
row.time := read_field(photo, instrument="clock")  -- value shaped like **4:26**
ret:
**9:58**
